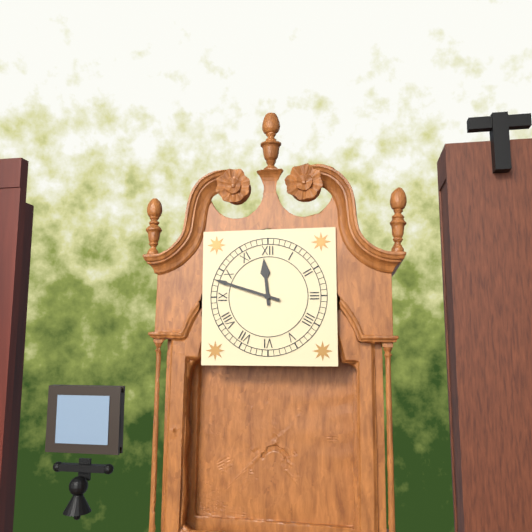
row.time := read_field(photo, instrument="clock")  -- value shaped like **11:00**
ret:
**11:48**
